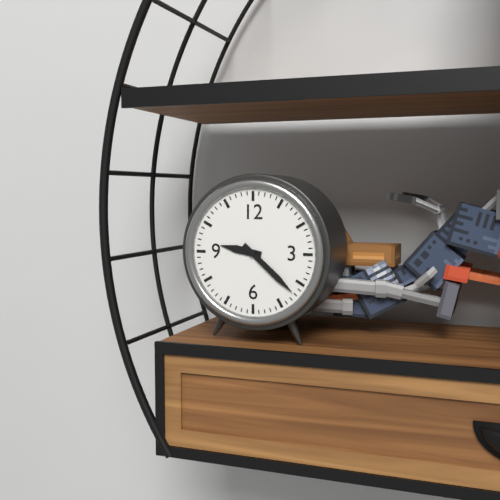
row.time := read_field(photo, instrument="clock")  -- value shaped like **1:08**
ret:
**9:22**
